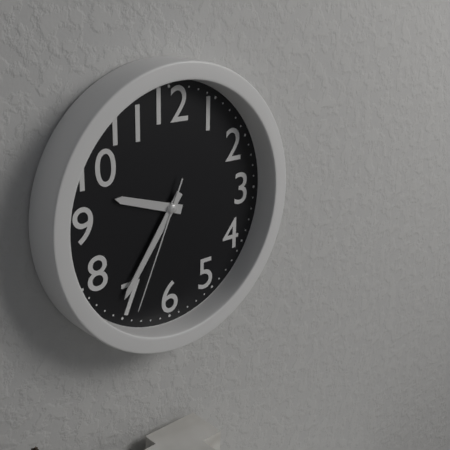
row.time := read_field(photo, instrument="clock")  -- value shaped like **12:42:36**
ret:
**9:36:34**
